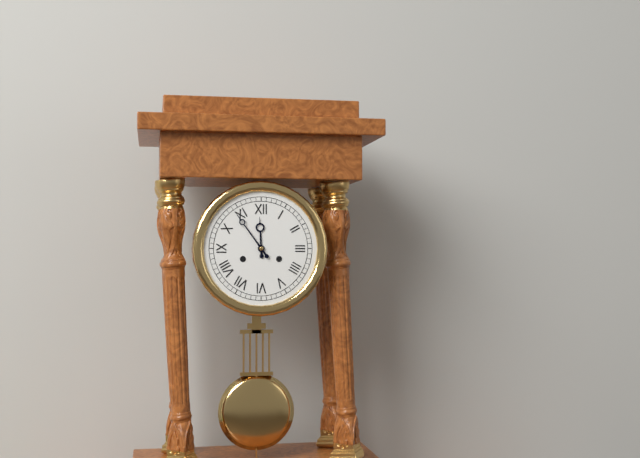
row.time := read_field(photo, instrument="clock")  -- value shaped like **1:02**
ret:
**11:54**
